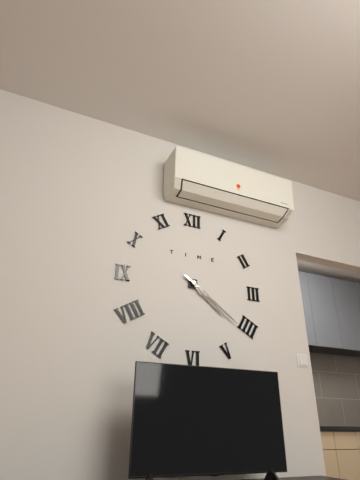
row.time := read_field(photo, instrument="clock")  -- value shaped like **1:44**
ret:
**4:21**
